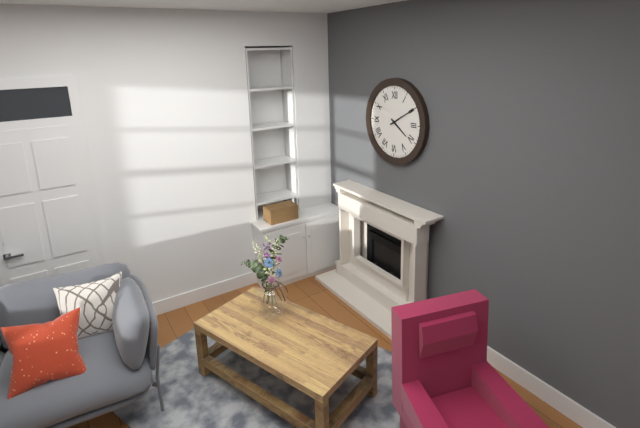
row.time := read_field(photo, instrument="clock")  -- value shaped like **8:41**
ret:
**4:10**
